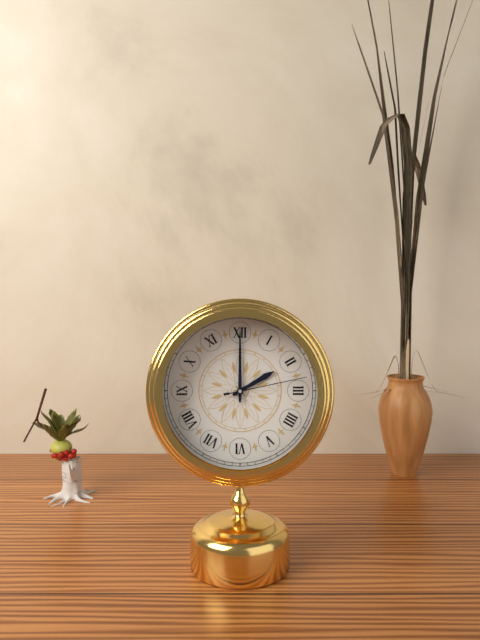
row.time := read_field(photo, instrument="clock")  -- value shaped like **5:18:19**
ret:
**2:00:13**
